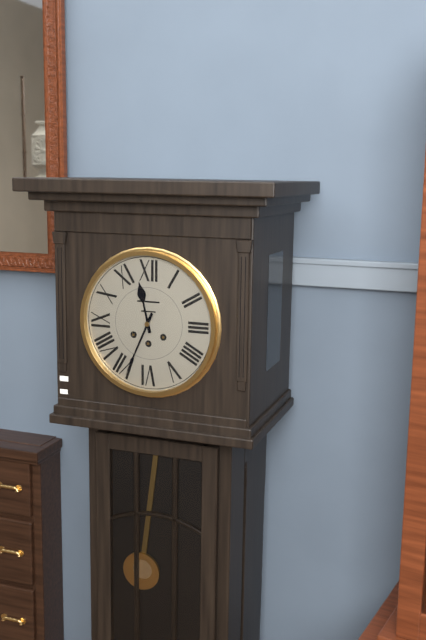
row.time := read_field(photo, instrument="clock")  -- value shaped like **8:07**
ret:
**11:34**
